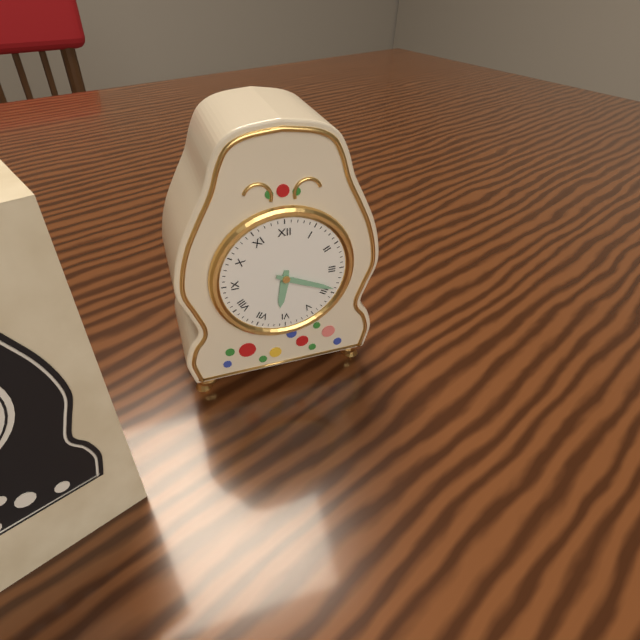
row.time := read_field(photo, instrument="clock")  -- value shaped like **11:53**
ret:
**6:19**
